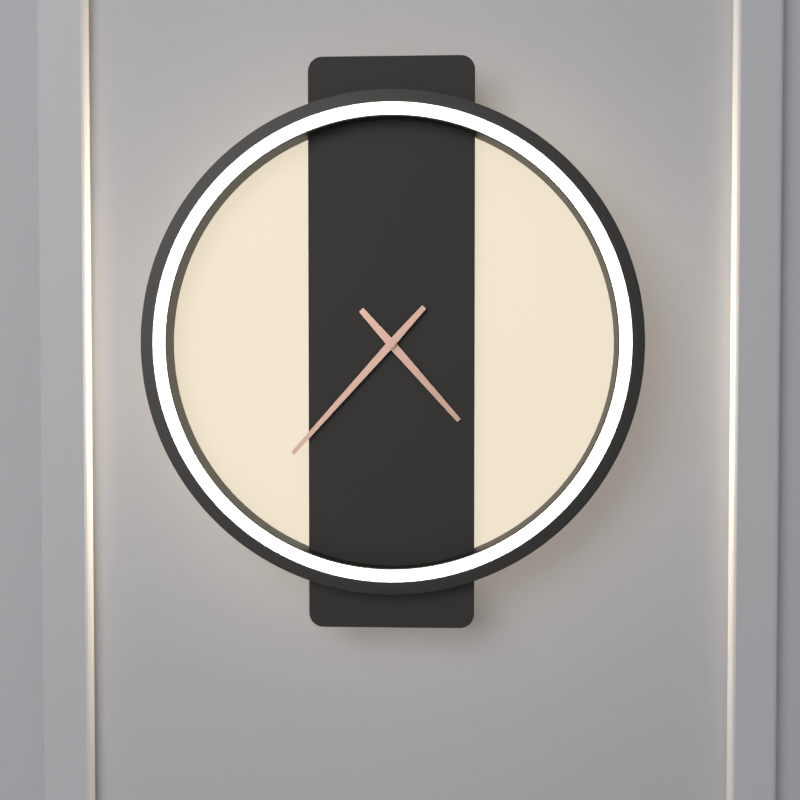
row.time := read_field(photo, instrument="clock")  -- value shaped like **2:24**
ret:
**4:37**
